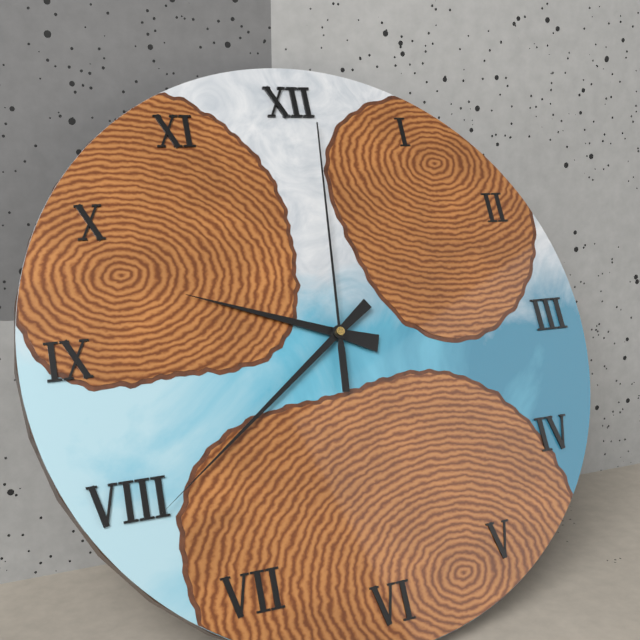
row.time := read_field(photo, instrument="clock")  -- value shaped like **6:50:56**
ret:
**9:39:01**
